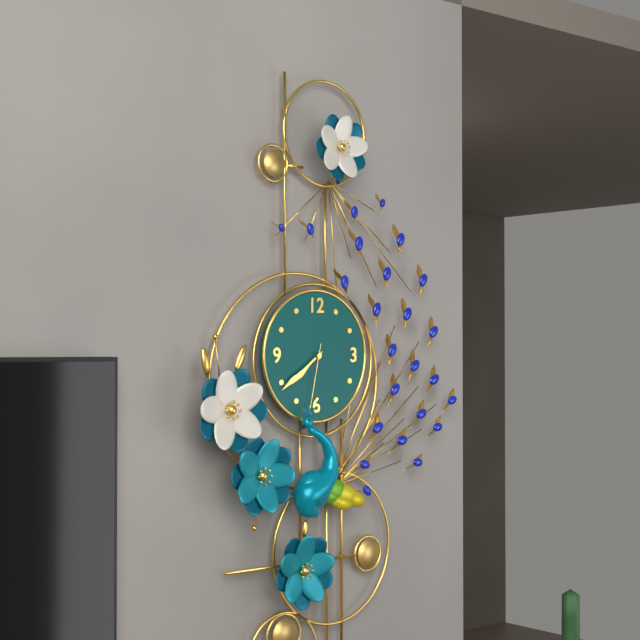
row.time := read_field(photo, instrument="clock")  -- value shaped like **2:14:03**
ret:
**7:39:32**
